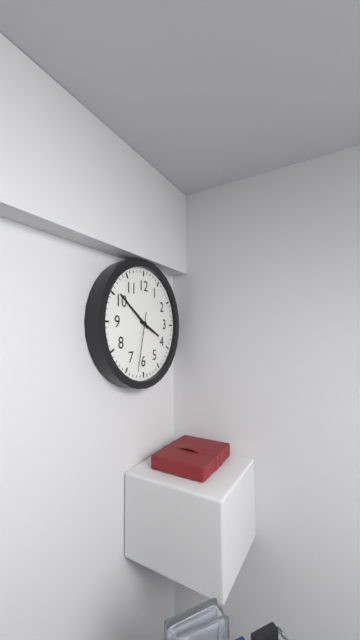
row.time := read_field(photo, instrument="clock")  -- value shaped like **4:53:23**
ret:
**3:51:32**
